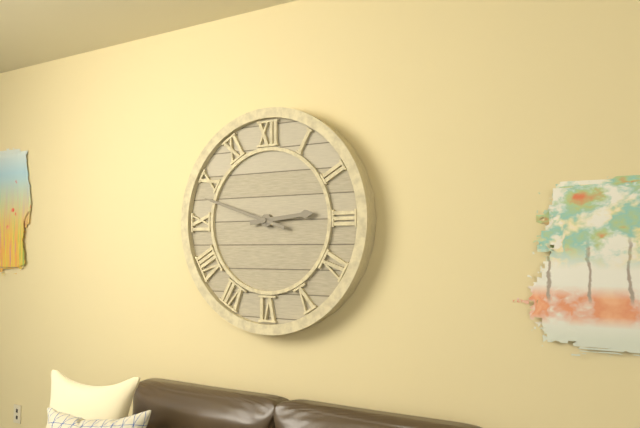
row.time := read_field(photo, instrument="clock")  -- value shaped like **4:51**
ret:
**2:48**
